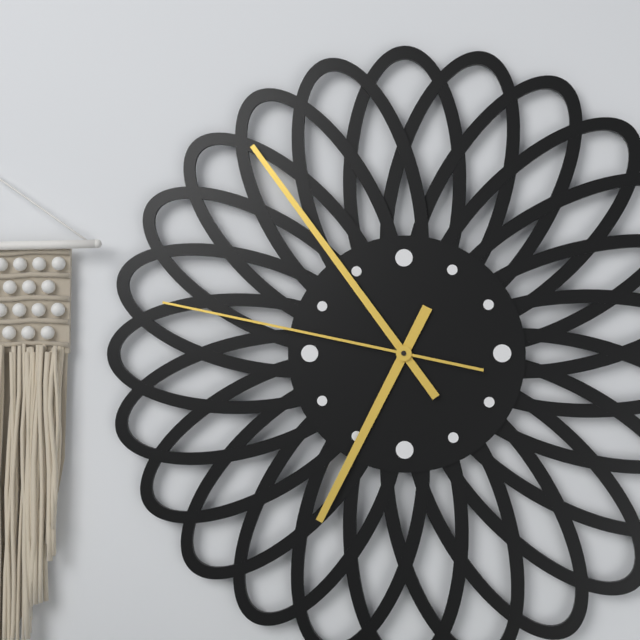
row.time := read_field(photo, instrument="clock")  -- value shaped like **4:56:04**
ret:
**6:54:47**
